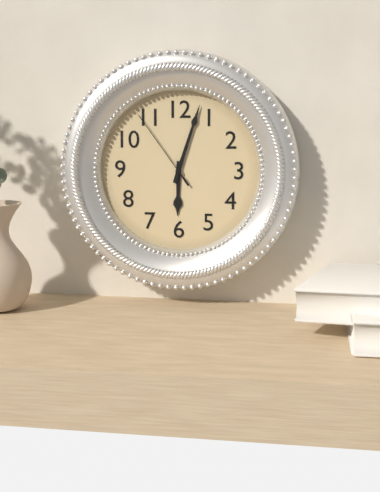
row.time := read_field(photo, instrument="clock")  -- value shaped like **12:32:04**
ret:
**6:03:54**
